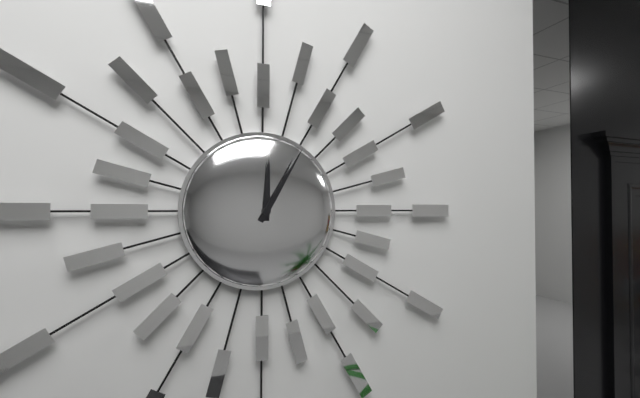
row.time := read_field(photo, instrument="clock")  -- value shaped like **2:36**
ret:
**12:05**
